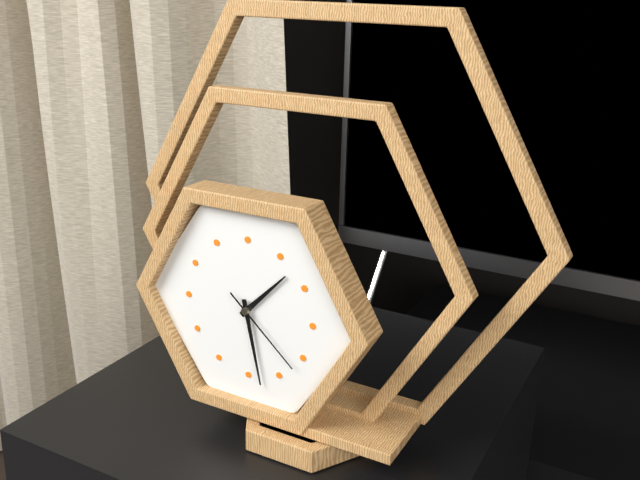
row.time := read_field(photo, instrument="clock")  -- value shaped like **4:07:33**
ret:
**1:28:22**
